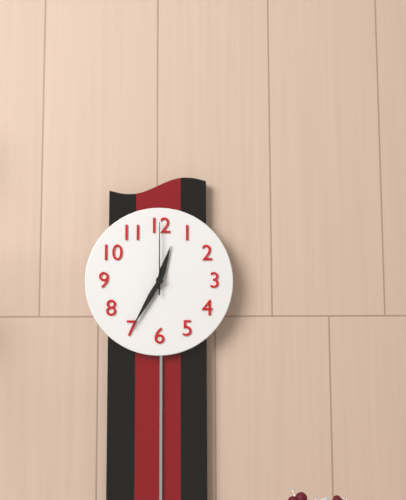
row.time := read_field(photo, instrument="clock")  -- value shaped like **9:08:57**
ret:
**12:35:00**
